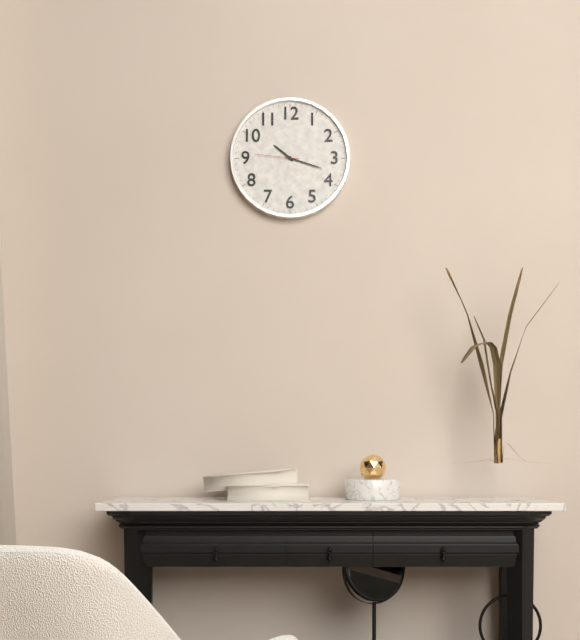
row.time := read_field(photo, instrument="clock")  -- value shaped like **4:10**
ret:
**10:18**
